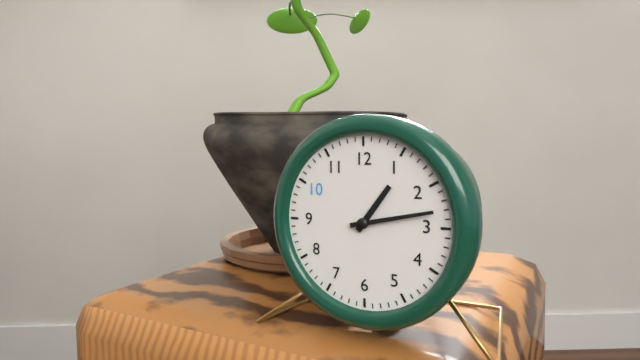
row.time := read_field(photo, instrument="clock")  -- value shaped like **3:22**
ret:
**1:13**
